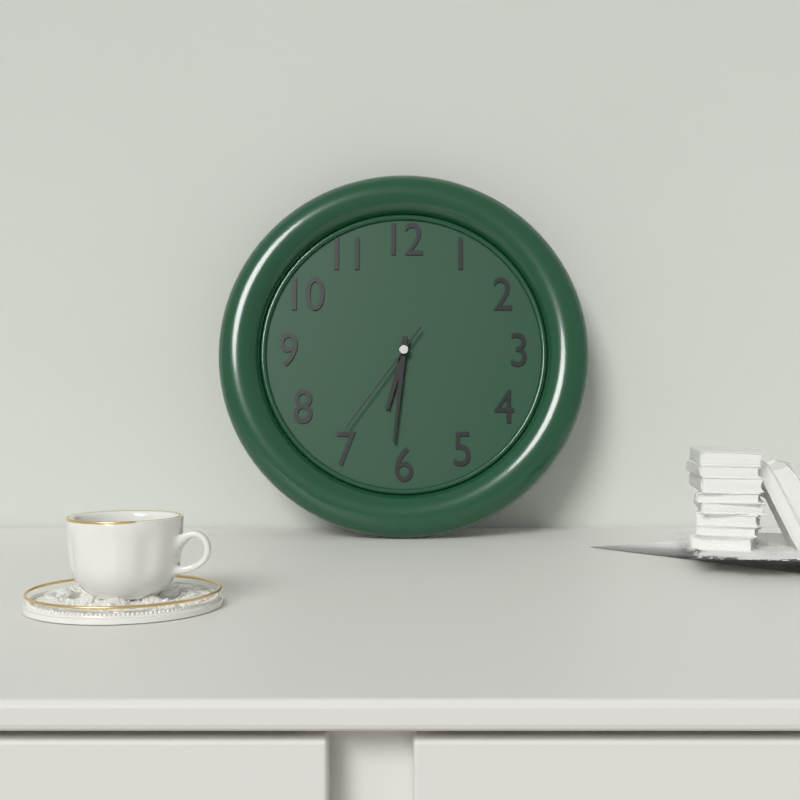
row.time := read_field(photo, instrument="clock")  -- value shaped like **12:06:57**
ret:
**6:31:36**
